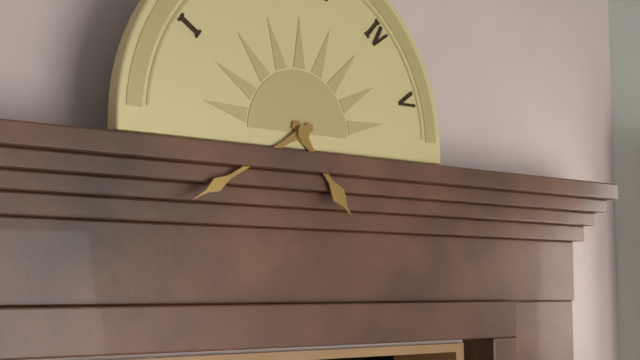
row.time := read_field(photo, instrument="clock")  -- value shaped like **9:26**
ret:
**4:40**
